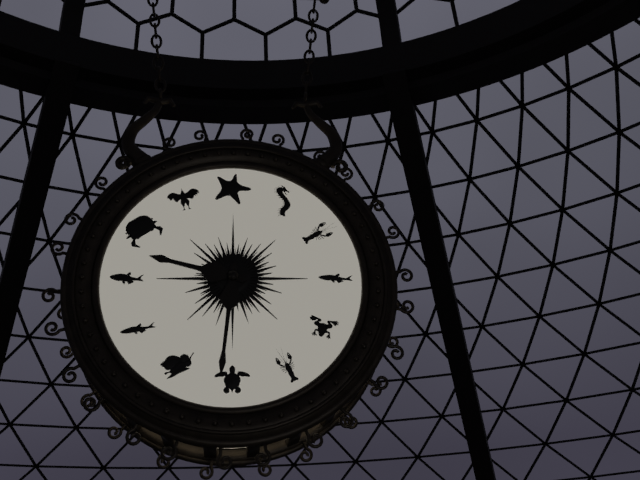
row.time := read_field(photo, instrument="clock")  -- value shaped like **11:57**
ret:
**9:31**
